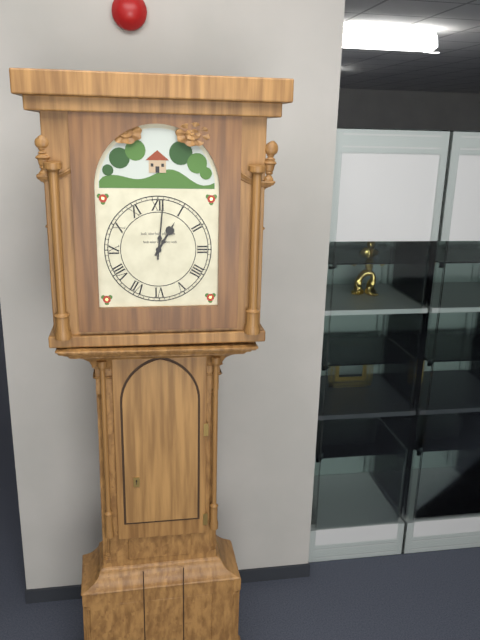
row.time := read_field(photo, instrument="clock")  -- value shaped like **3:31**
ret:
**1:01**
